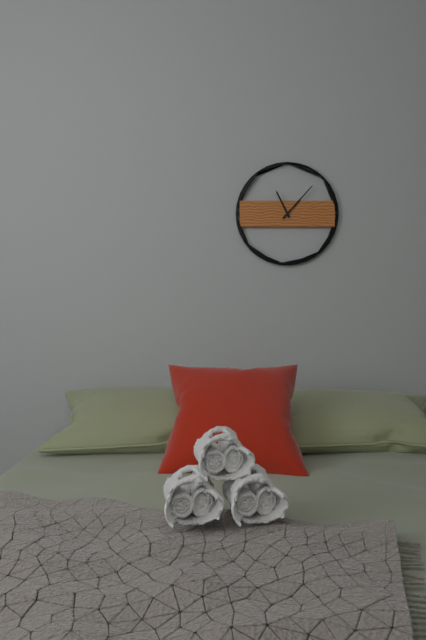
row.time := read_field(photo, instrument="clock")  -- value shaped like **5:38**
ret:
**11:07**
